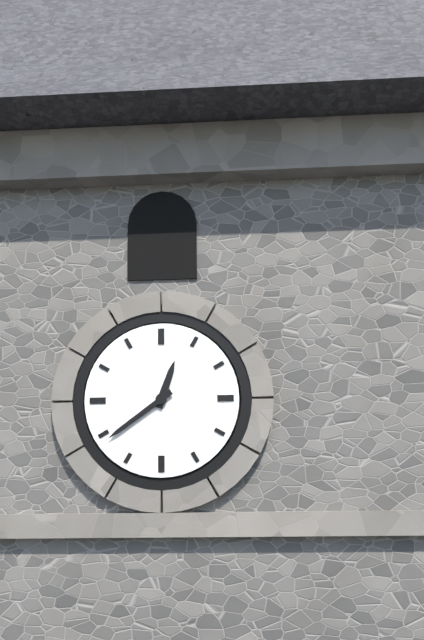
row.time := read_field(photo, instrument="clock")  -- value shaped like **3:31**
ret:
**12:39**
